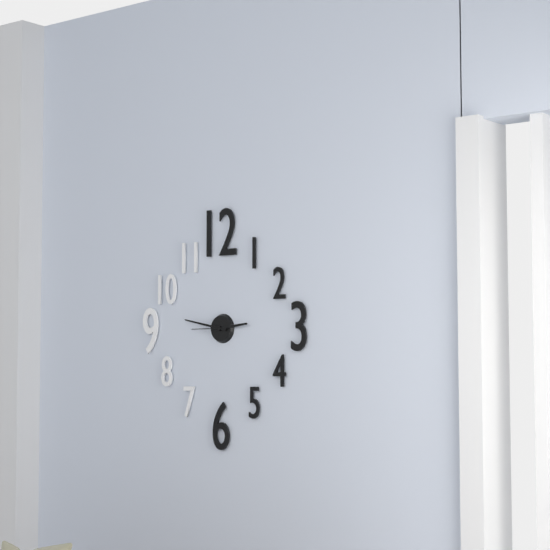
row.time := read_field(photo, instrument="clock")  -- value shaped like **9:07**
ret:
**2:47**
